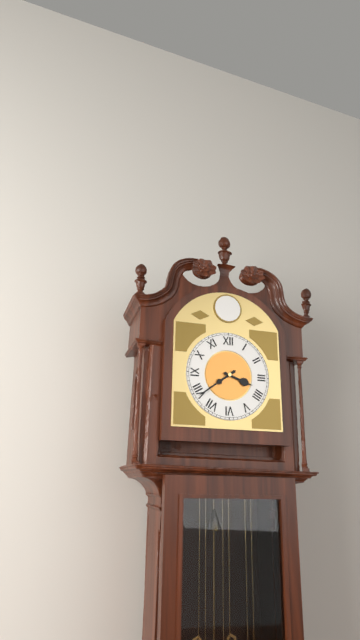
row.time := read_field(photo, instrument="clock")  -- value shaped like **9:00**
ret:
**3:39**
